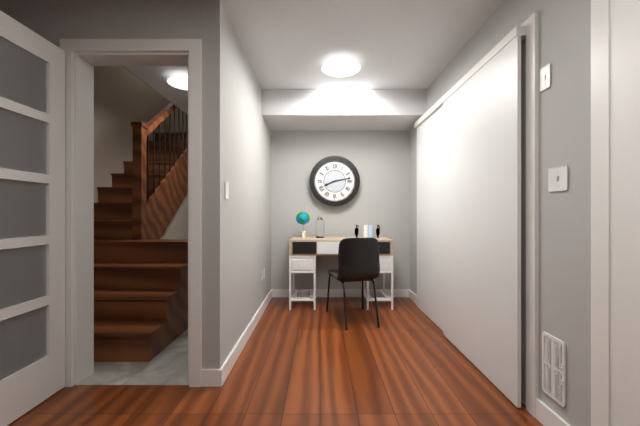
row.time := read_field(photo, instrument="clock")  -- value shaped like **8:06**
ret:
**8:13**
